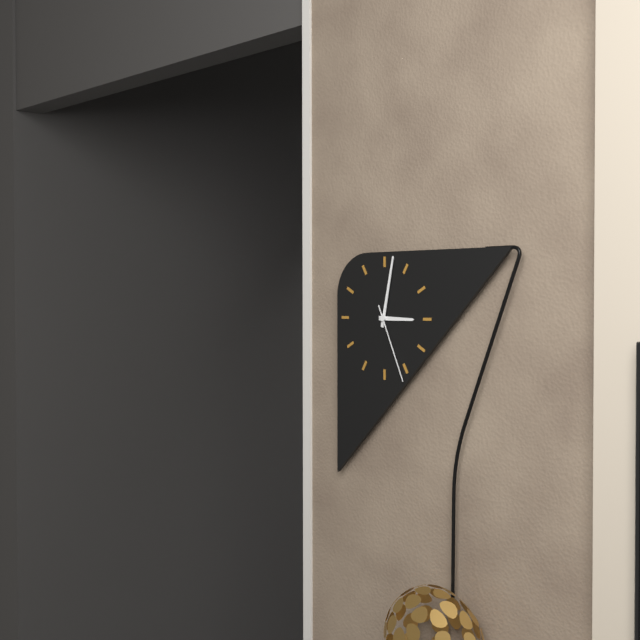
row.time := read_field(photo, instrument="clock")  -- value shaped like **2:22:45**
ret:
**3:02:26**
